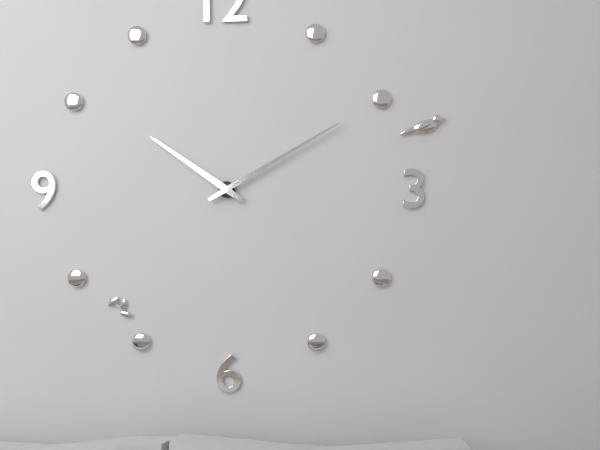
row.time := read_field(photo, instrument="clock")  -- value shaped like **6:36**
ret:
**10:10**
